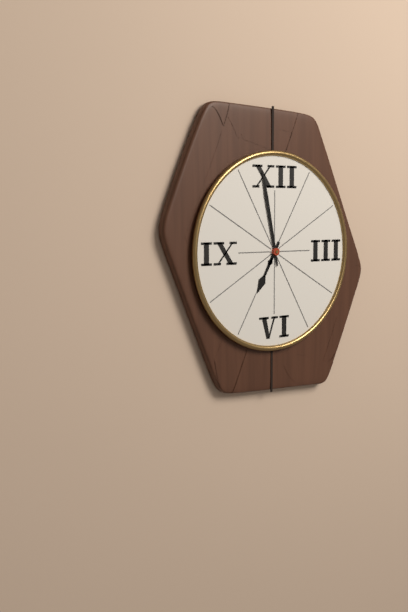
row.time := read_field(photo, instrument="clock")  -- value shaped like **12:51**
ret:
**6:58**
